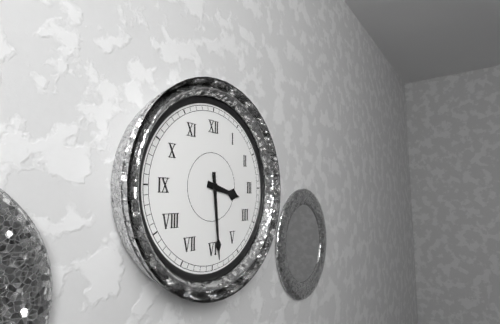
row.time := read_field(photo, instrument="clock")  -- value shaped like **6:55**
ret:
**3:29**
